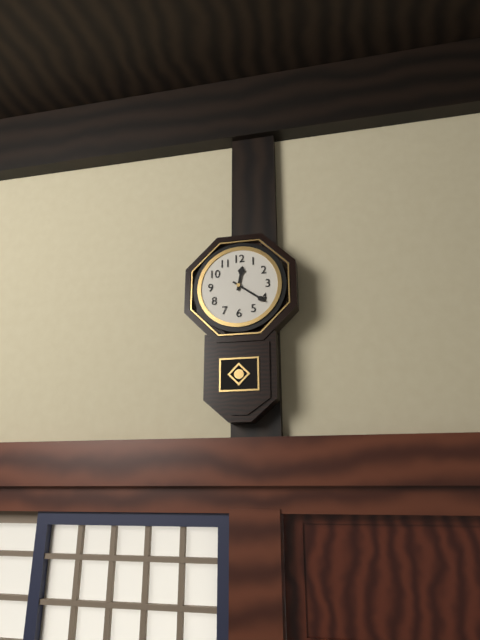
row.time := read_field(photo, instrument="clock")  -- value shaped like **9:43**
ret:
**12:21**
